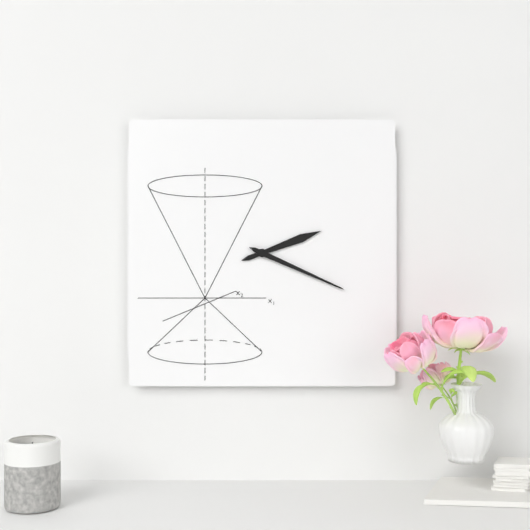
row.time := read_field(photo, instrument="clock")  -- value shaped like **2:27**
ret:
**2:19**
